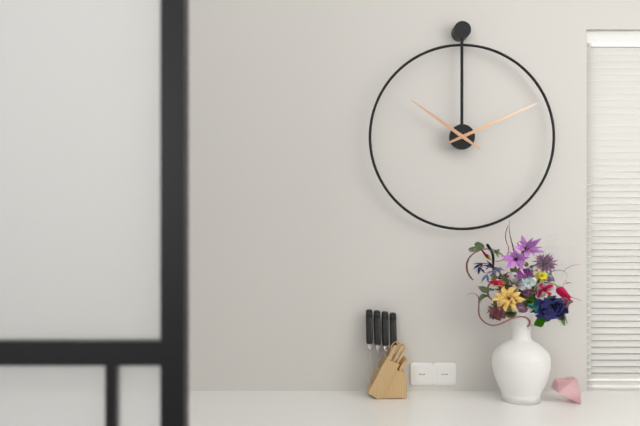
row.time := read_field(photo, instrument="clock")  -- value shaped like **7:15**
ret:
**10:11**
